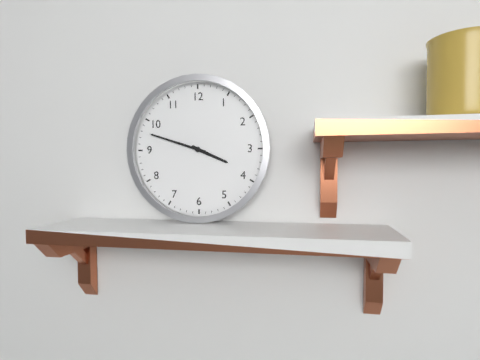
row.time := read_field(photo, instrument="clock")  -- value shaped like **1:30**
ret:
**3:48**
